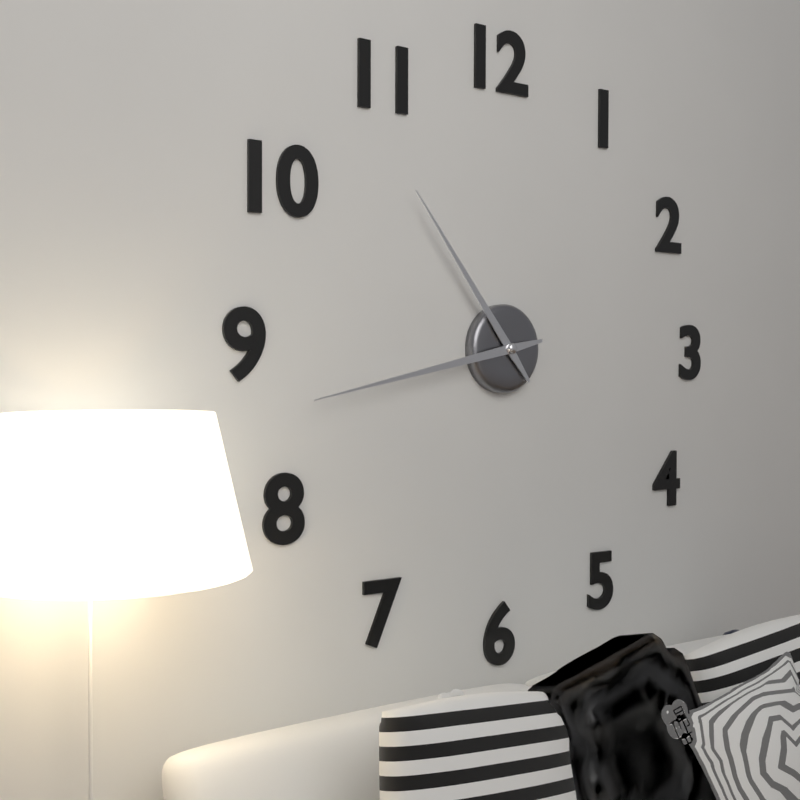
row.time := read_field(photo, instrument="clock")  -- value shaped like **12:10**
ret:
**10:43**
